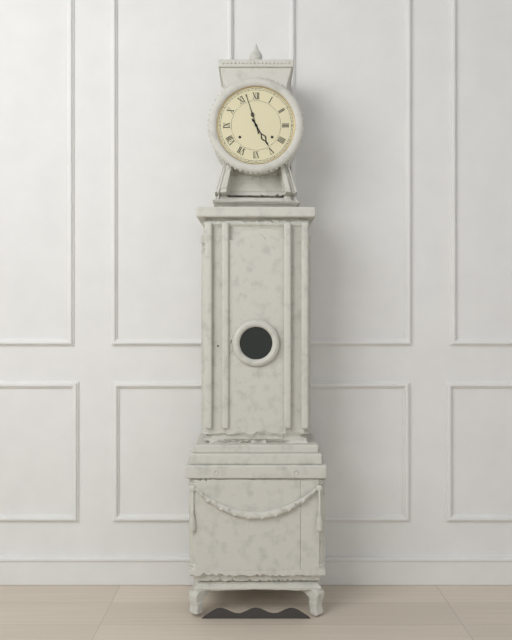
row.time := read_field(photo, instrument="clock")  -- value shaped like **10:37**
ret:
**4:57**
